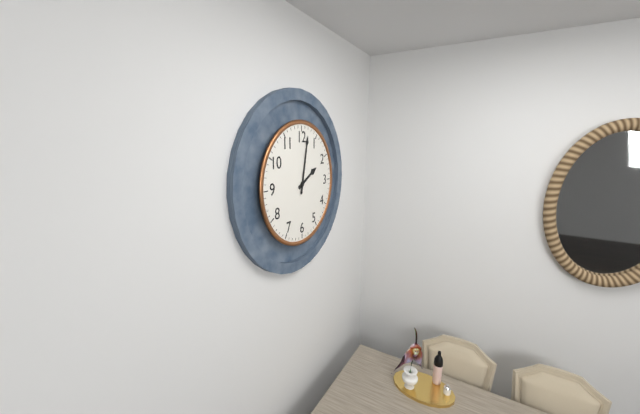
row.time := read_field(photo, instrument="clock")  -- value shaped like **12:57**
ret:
**2:02**
